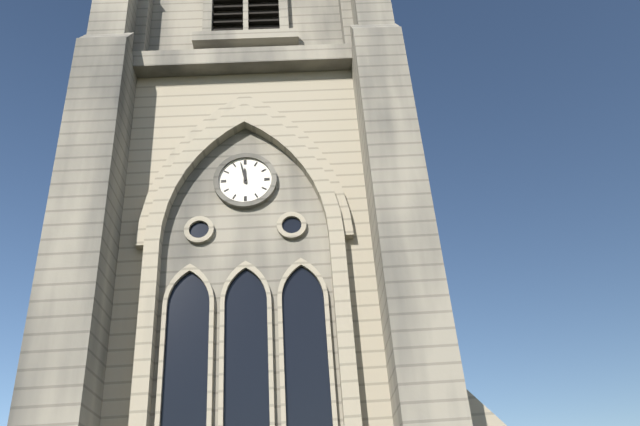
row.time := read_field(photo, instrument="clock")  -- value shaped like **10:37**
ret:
**11:58**
